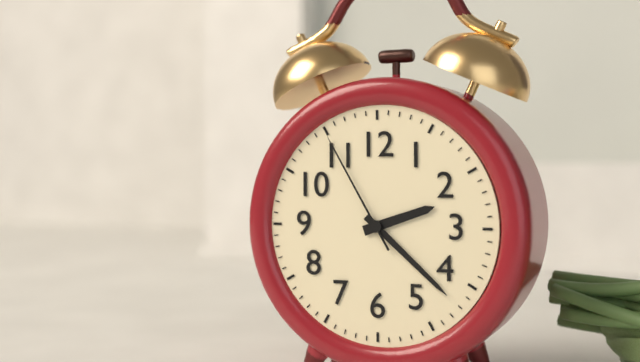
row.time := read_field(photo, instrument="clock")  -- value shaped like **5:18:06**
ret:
**2:22:55**
